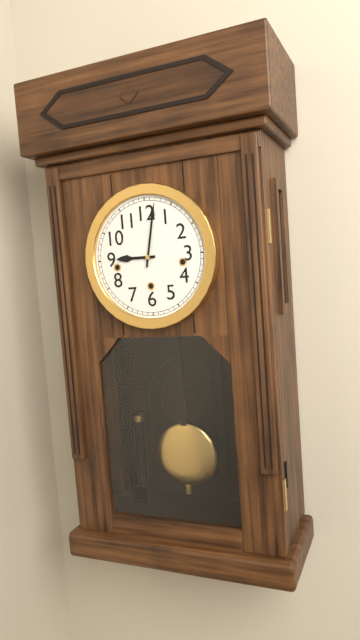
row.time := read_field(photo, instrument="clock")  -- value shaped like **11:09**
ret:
**9:02**
